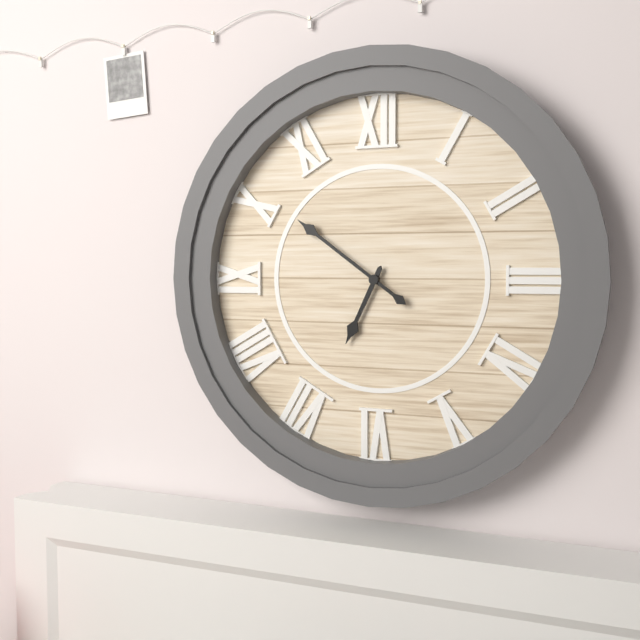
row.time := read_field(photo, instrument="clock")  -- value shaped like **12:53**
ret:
**6:51**
